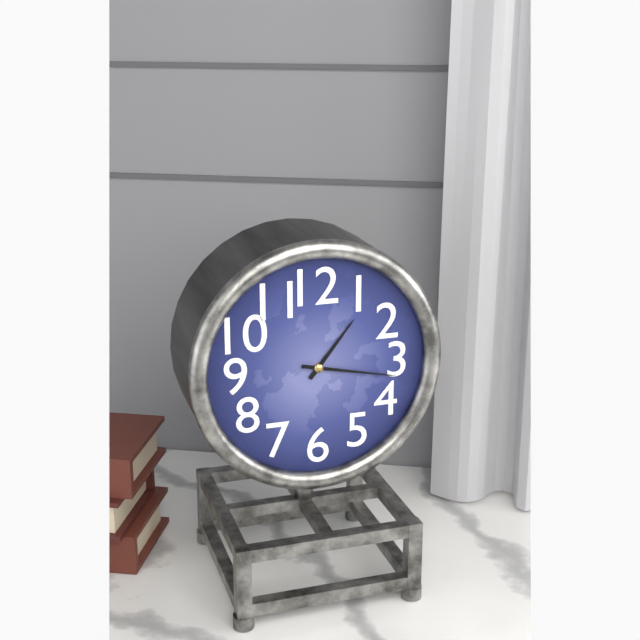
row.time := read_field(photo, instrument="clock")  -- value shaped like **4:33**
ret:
**1:17**
